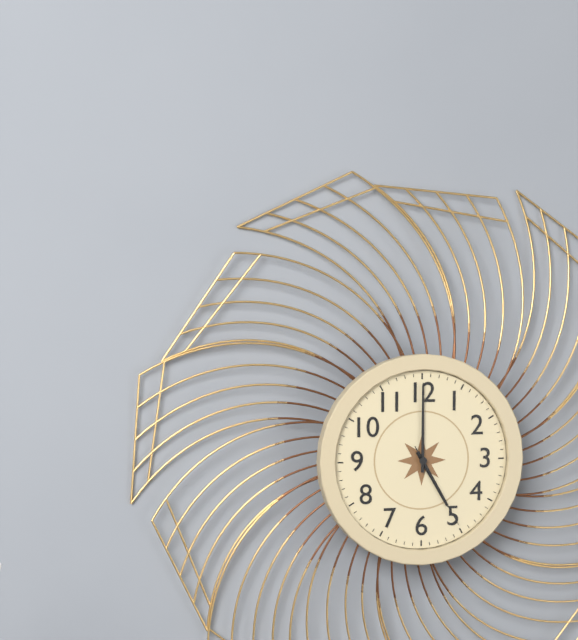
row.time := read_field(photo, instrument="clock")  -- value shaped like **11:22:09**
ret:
**5:00:25**
